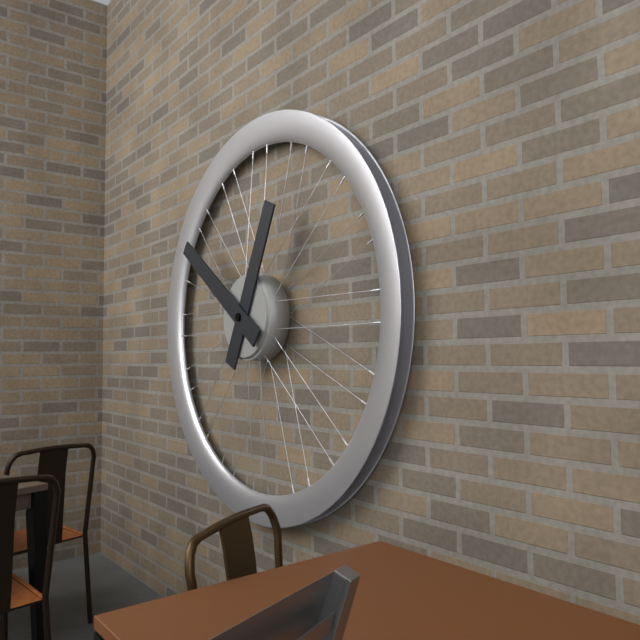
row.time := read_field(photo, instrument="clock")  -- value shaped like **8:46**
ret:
**12:51**
